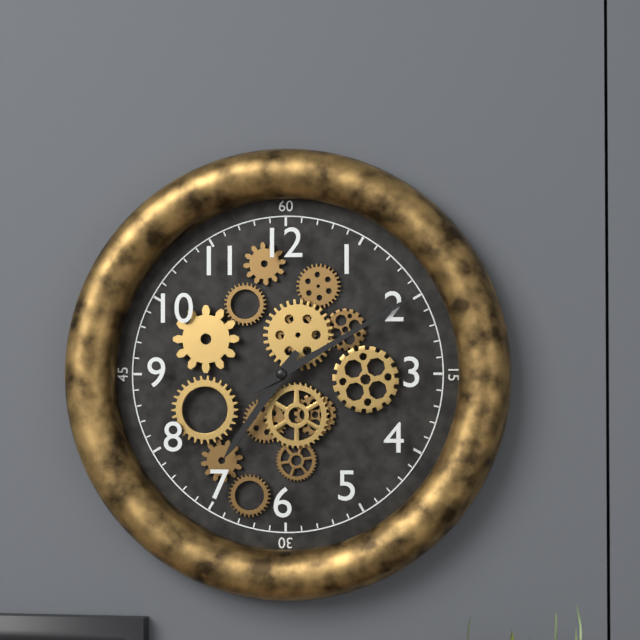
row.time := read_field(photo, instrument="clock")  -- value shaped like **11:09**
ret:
**7:10**
